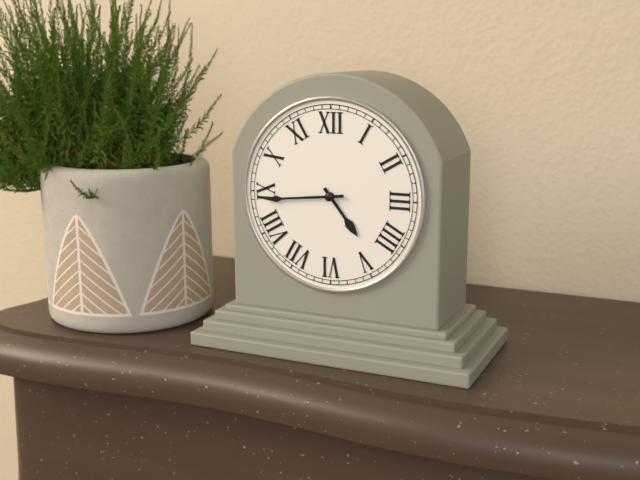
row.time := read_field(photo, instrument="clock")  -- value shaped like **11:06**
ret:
**4:44**
